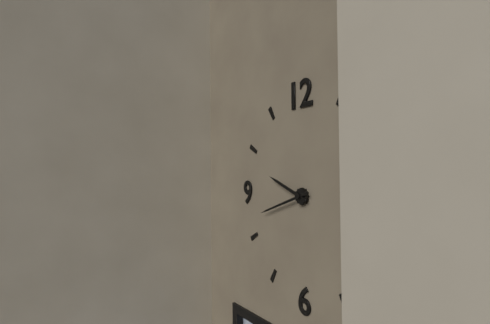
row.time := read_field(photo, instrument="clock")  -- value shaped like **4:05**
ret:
**9:42**
